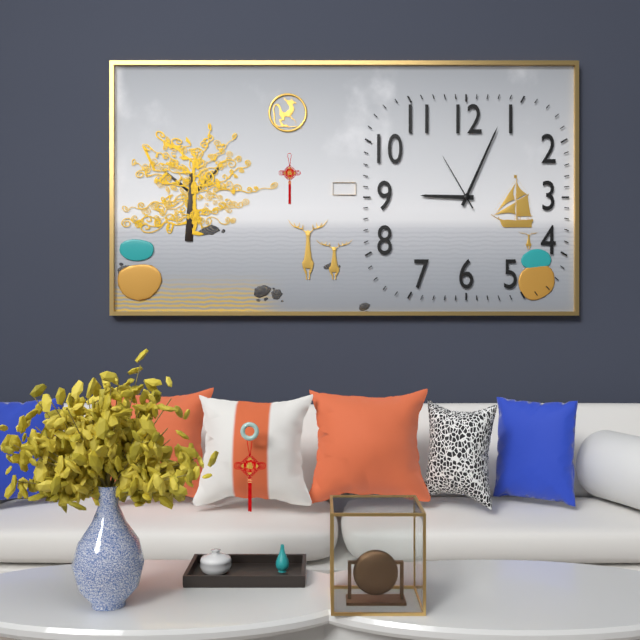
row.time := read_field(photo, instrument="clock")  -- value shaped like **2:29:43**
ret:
**9:04:55**
